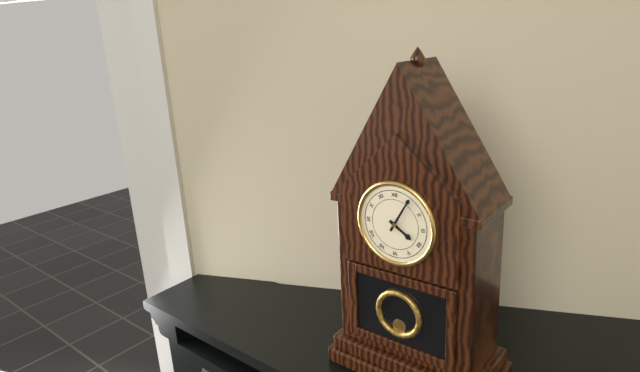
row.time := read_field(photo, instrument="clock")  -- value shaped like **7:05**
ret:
**4:05**
